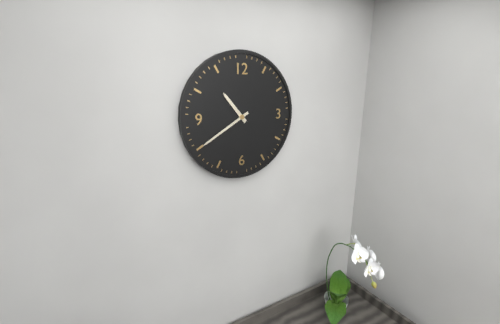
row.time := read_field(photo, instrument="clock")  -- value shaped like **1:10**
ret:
**10:40**
